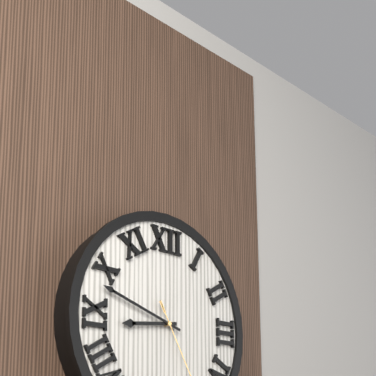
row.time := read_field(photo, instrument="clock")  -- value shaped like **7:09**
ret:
**8:48**
